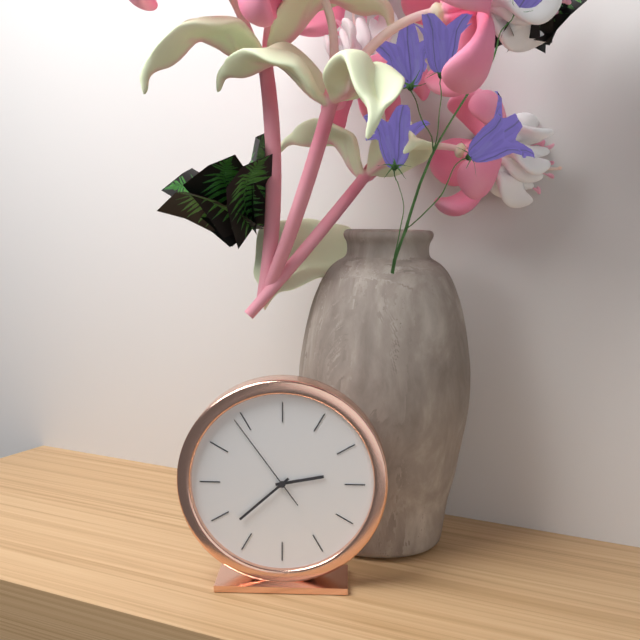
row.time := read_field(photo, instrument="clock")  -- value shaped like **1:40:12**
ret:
**2:38:54**
